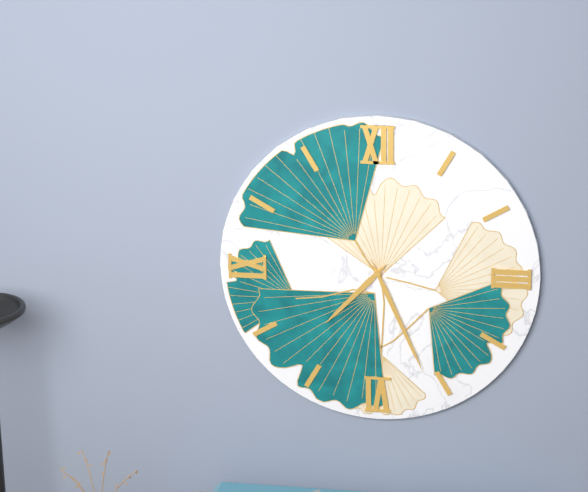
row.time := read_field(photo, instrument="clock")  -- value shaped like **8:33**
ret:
**7:26**
